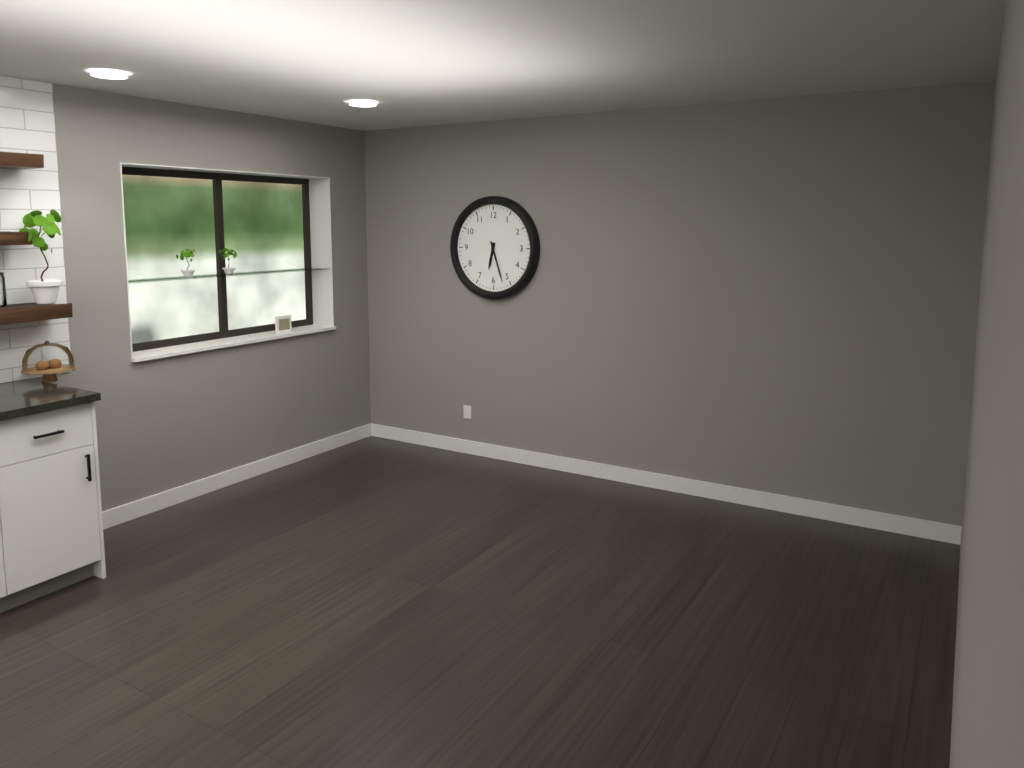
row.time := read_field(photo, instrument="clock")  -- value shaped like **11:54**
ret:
**6:27**
